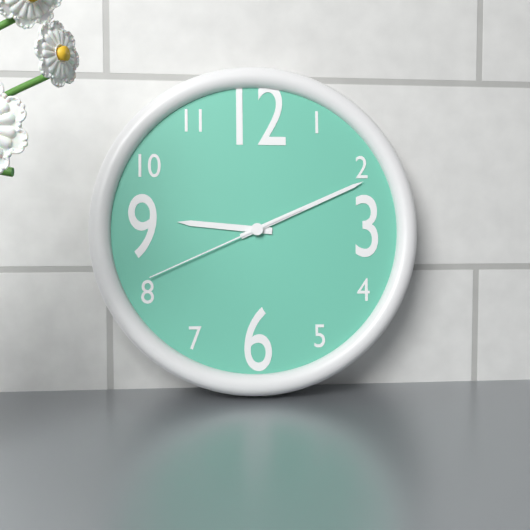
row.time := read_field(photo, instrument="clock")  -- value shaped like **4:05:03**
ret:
**9:11:41**
